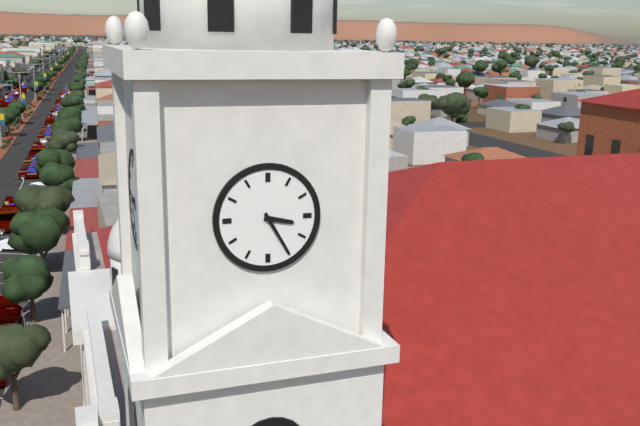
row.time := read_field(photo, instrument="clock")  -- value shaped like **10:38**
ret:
**3:25**
